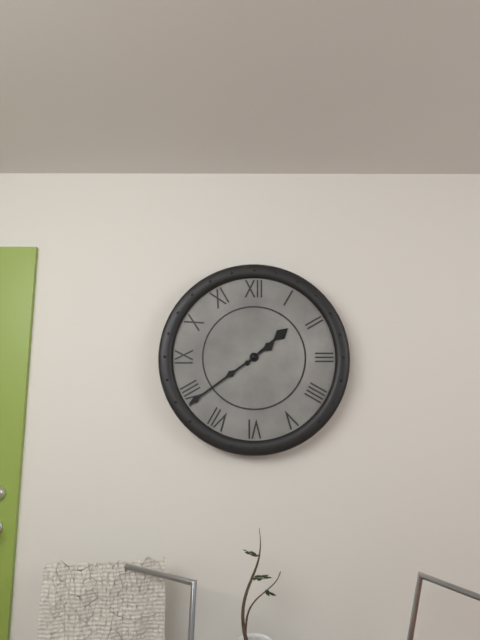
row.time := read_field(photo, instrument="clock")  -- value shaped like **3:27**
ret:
**1:39**
